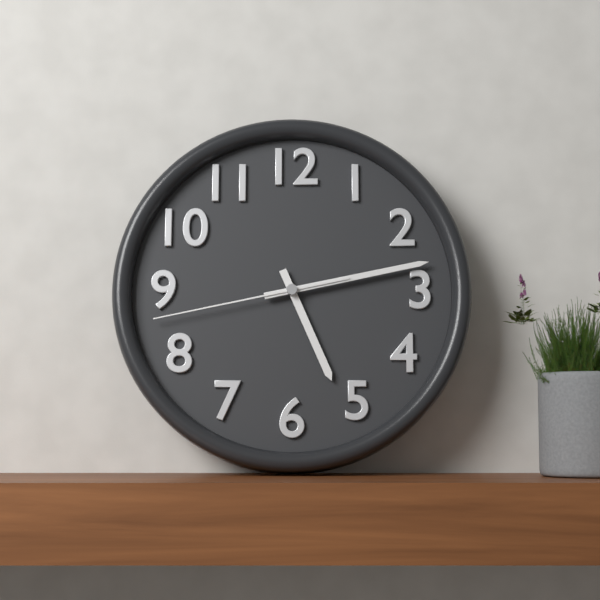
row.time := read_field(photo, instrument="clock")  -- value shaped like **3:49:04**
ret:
**5:13:43**
